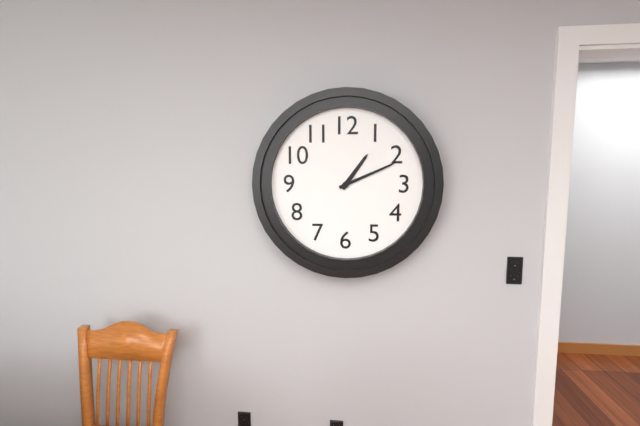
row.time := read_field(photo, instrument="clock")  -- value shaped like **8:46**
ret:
**1:11**
